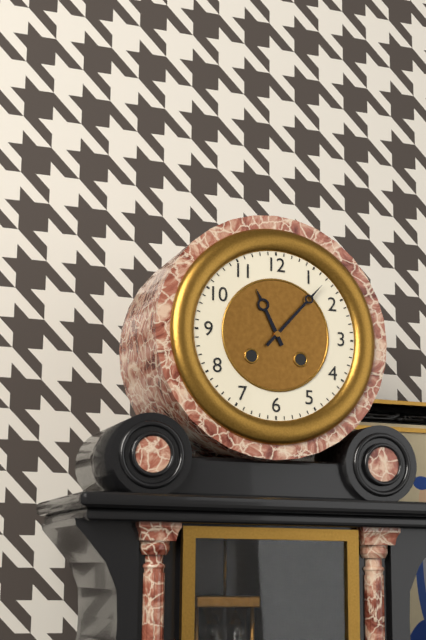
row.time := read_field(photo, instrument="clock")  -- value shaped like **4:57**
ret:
**11:07**
